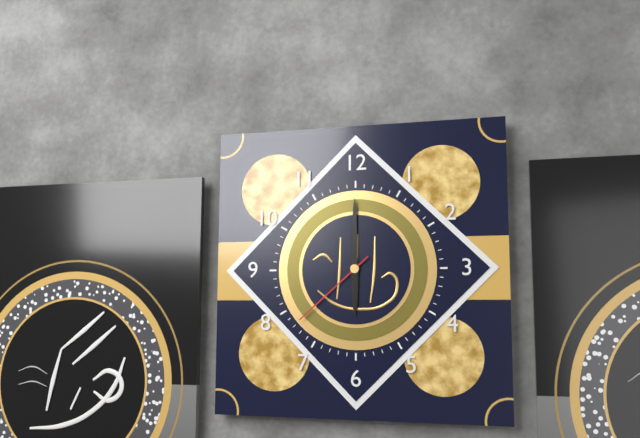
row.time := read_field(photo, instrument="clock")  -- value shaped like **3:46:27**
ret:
**6:00:38**
